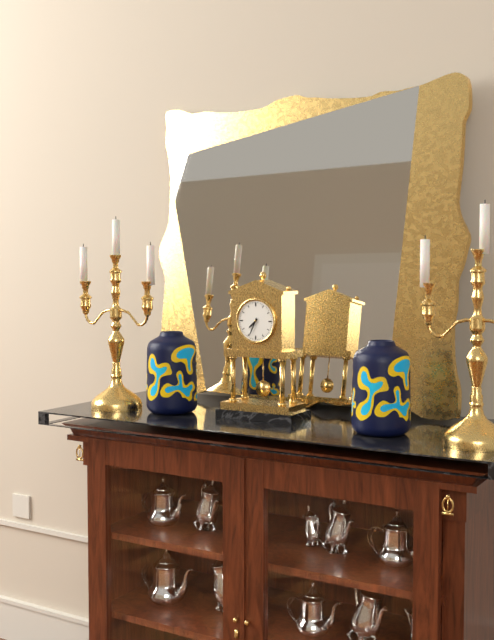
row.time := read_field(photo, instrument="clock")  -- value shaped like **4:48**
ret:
**7:34**
